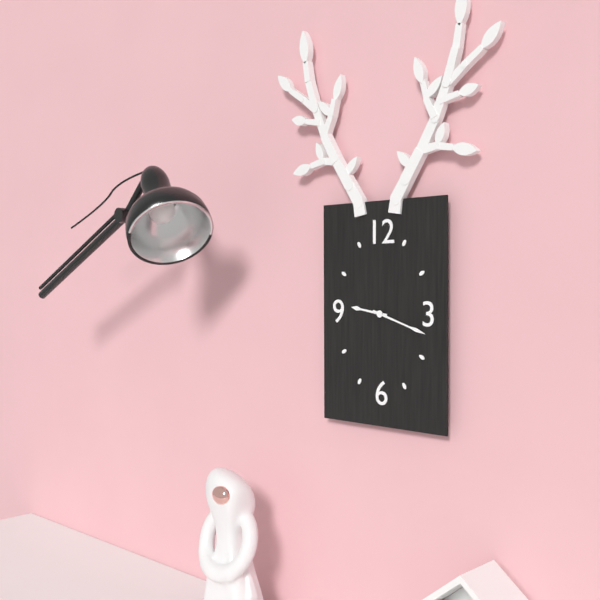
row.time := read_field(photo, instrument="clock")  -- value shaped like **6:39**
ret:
**9:18**
